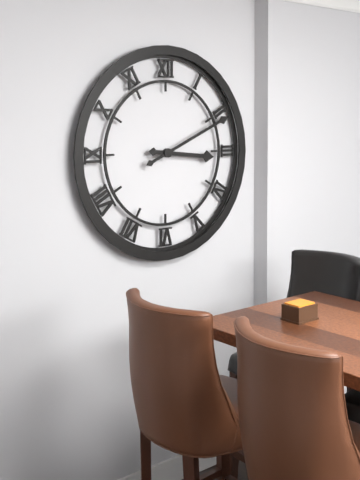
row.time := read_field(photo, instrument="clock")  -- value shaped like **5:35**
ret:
**3:11**
